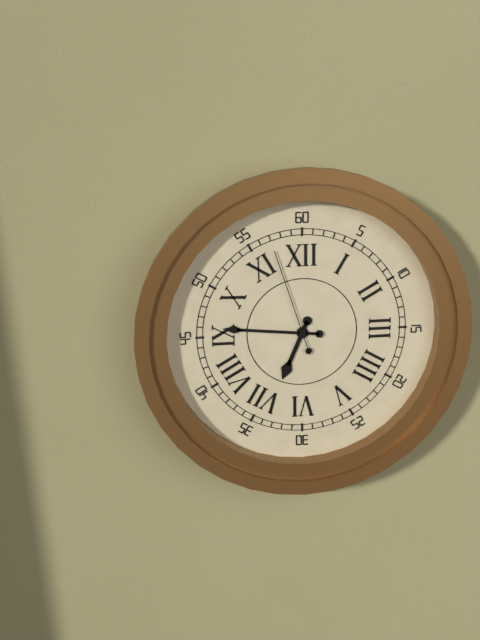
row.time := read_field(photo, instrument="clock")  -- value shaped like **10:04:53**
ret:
**6:46:57**
